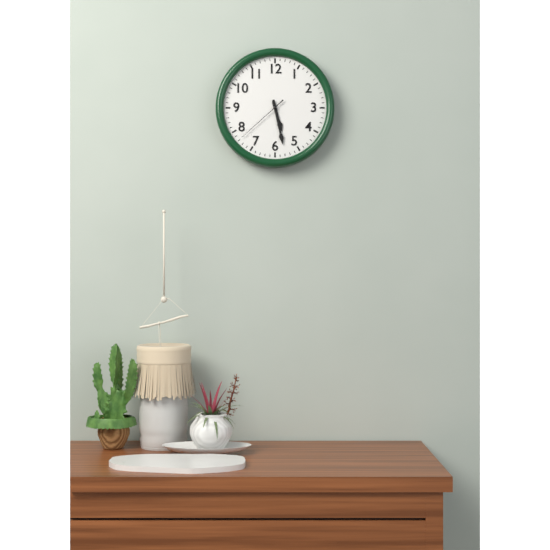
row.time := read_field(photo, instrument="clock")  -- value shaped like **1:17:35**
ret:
**5:28:38**
